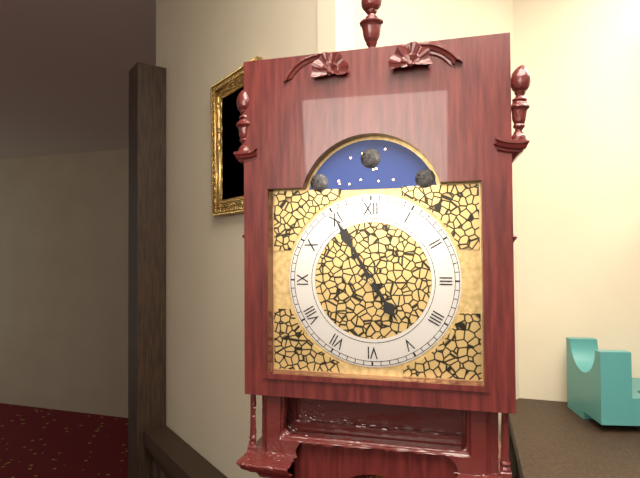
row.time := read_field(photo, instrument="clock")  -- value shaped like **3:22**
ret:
**4:55**
